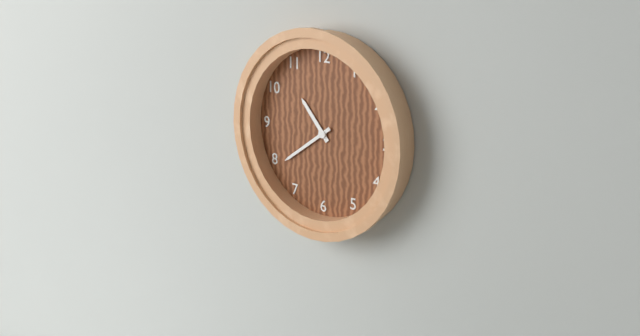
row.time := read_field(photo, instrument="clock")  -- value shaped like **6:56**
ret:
**10:39**
